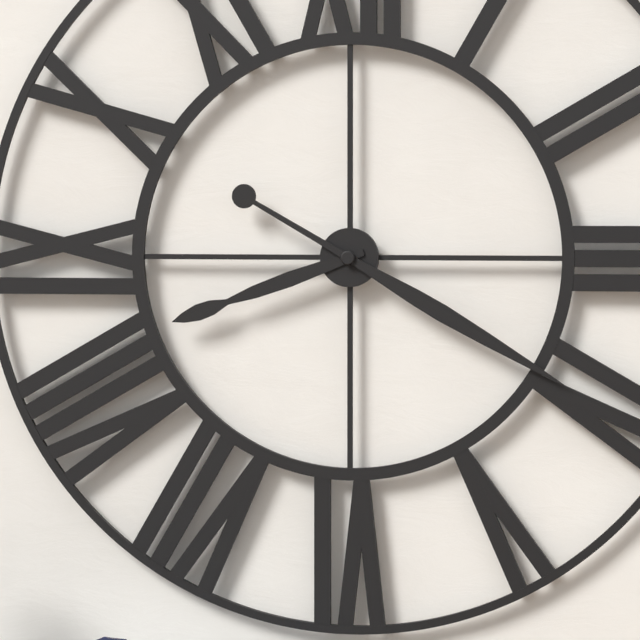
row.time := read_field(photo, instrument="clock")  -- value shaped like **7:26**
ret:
**8:20**
